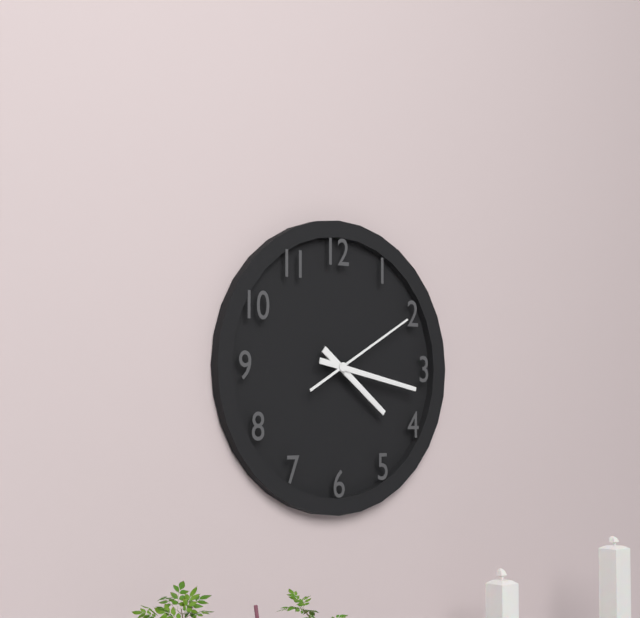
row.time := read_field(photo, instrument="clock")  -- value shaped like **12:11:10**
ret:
**4:17:10**
